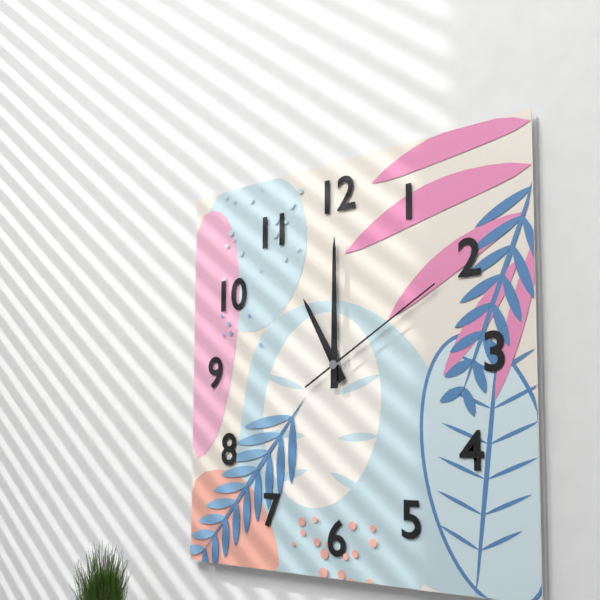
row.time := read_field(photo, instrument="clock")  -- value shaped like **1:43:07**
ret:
**11:00:10**
